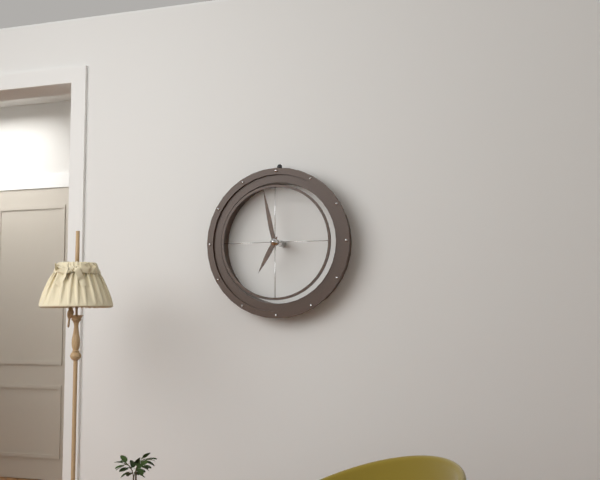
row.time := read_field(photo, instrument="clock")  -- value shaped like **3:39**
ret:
**6:58**
